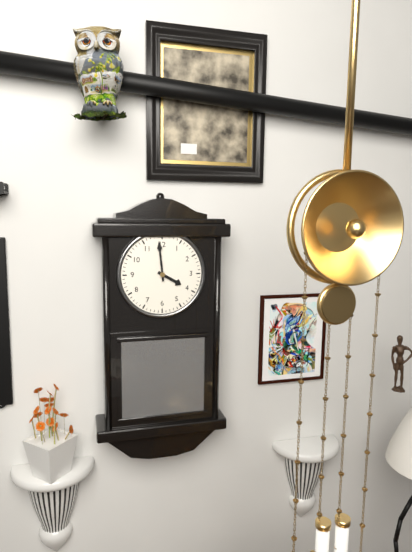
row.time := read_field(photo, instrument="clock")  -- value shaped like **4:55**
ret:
**3:59**
